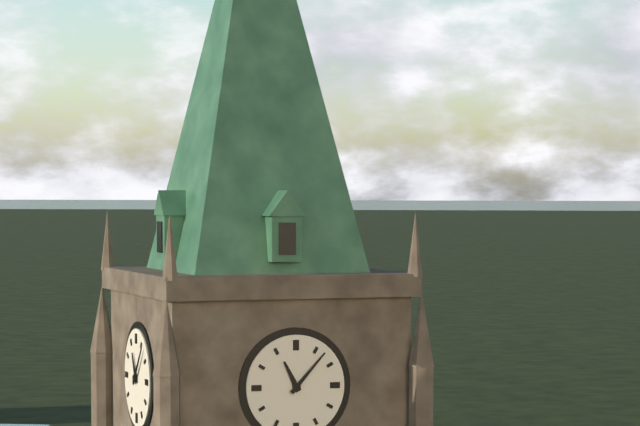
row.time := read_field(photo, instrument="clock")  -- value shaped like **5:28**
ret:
**11:07**
